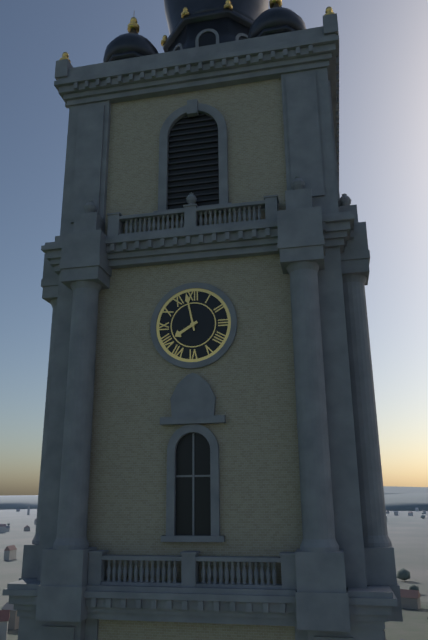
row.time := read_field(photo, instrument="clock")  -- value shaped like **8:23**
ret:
**7:58**
